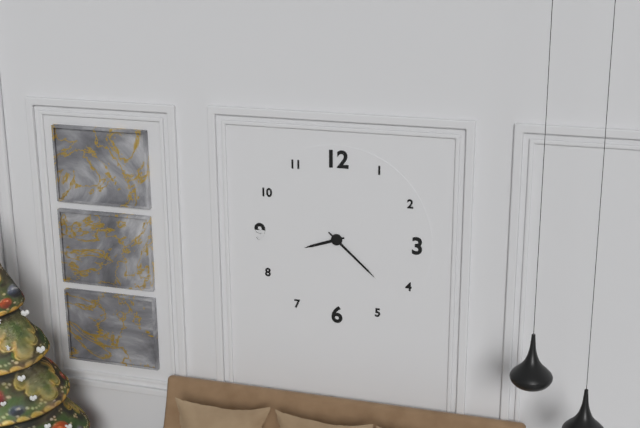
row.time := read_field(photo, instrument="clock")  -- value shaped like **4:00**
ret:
**8:22**
